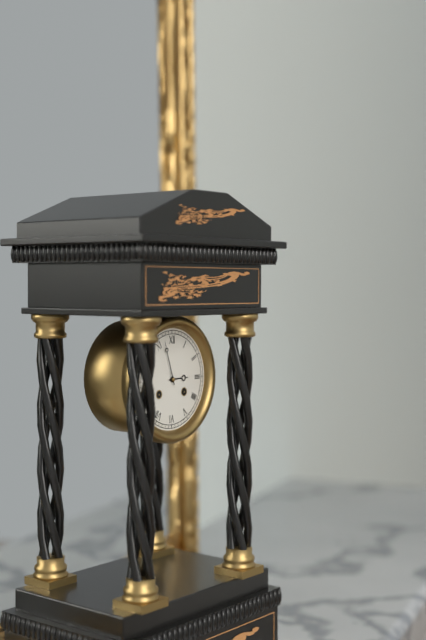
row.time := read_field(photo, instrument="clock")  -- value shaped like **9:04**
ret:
**2:57**
